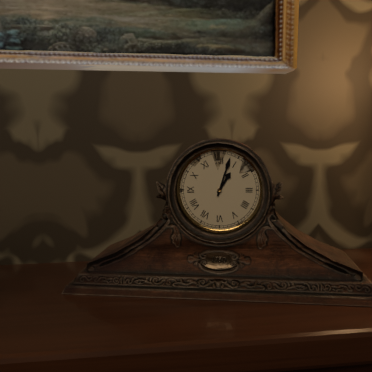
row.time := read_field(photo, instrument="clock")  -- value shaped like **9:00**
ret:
**1:03**
